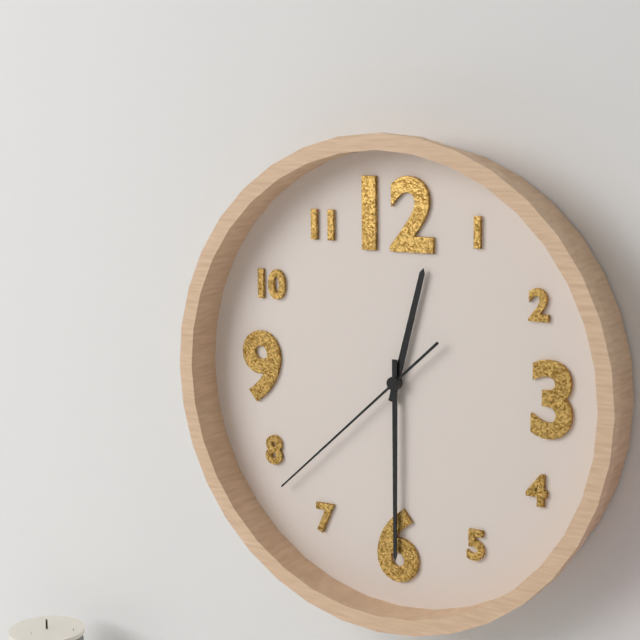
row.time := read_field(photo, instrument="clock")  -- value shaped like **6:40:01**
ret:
**12:30:38**
